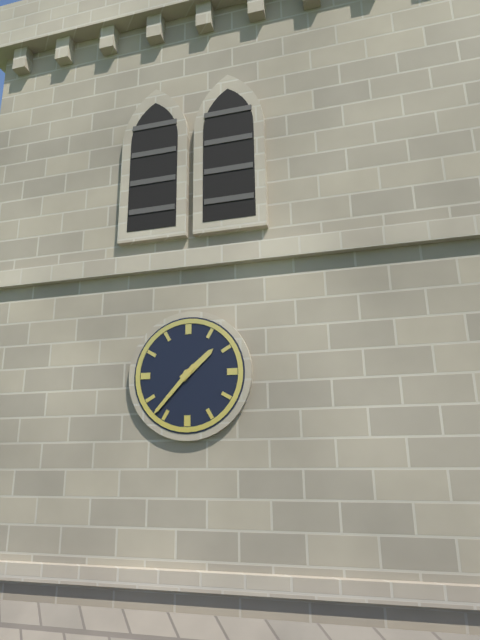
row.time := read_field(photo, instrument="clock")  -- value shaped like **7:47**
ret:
**1:37**
